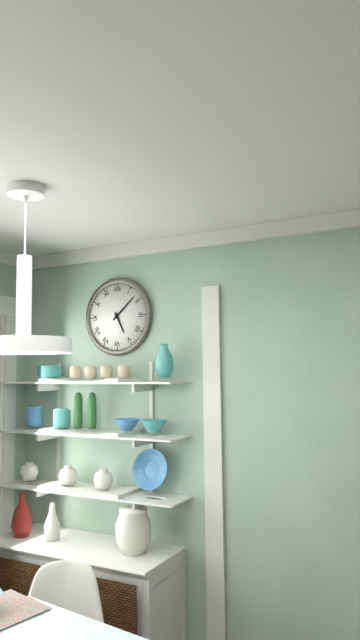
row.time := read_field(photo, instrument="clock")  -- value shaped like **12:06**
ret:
**5:08**
